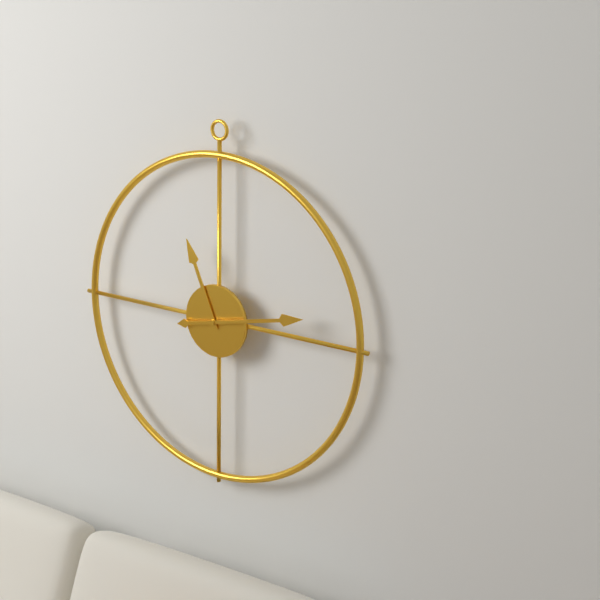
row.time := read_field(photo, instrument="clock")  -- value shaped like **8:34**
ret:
**11:13**
